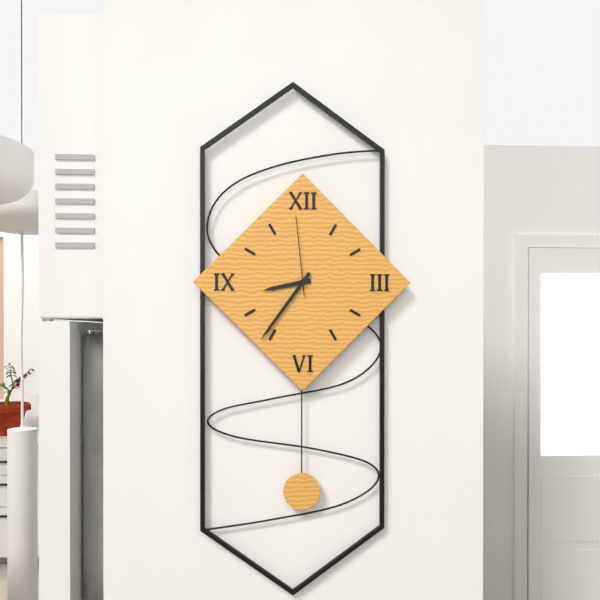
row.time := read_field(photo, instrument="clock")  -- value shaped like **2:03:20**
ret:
**8:36:59**
